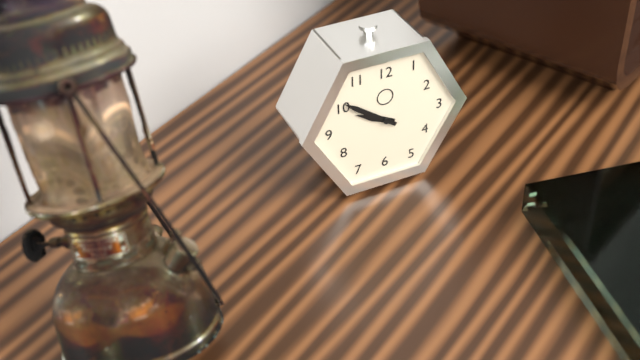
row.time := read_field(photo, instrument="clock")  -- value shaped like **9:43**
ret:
**9:51**
